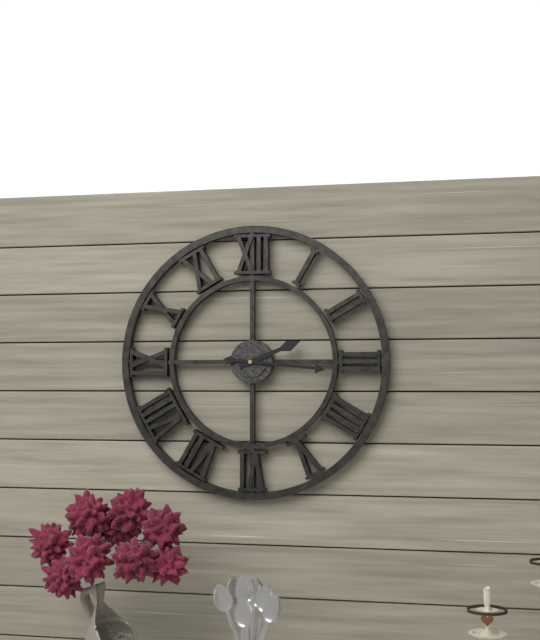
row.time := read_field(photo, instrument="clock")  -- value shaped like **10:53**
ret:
**2:16**
